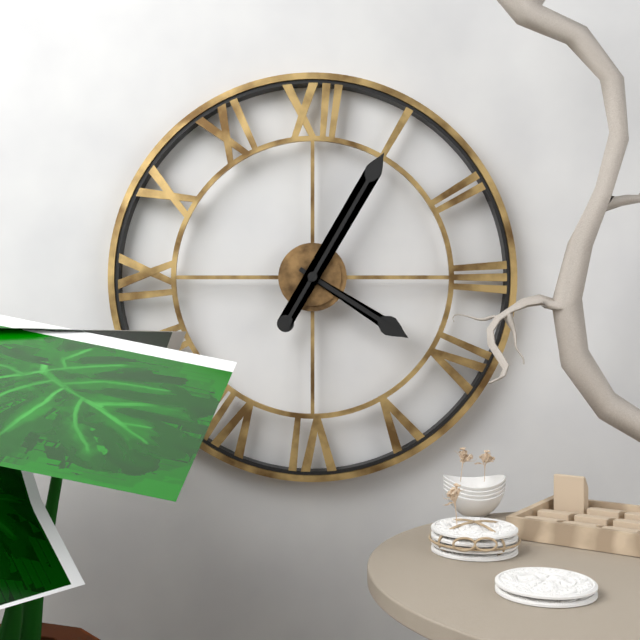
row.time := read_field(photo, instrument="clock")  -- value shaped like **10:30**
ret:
**4:05**
